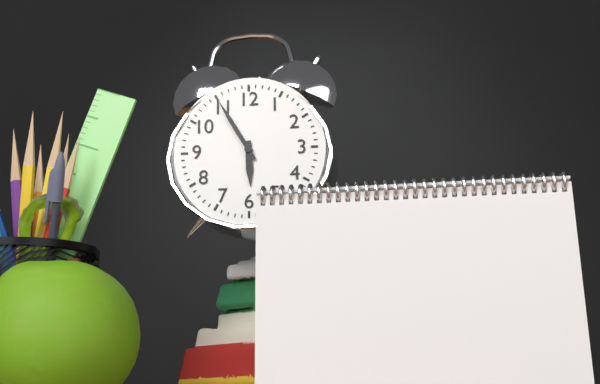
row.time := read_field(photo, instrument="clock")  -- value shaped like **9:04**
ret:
**5:55**
